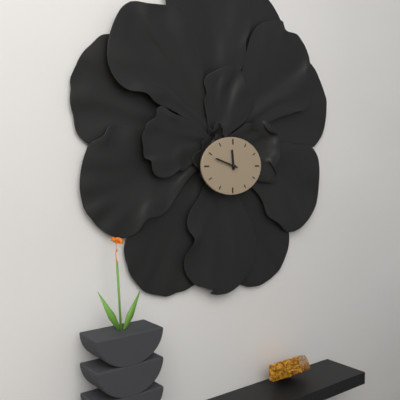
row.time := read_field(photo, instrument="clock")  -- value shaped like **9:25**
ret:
**11:48**
